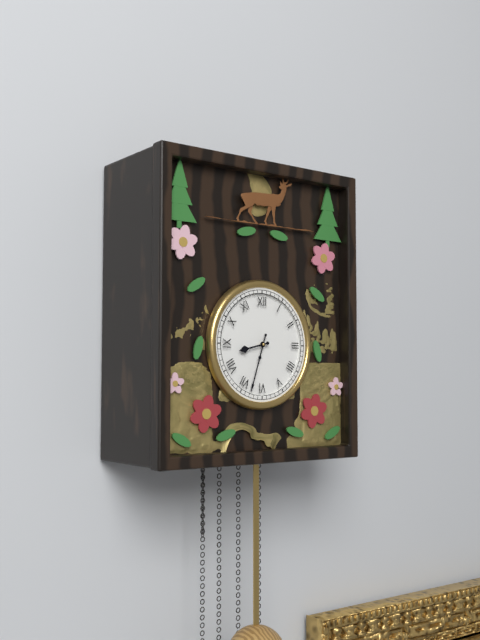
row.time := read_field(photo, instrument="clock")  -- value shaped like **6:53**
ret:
**8:33**
